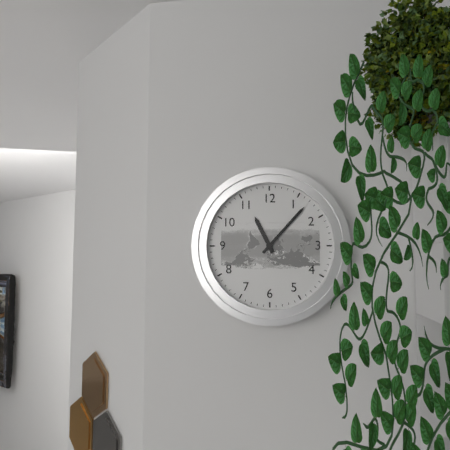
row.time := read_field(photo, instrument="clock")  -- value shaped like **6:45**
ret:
**11:07**
